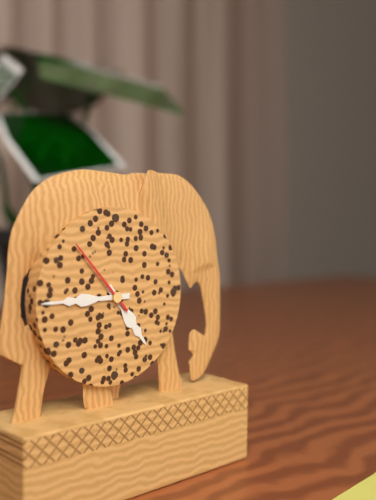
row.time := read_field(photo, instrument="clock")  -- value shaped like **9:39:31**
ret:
**4:45:53**
